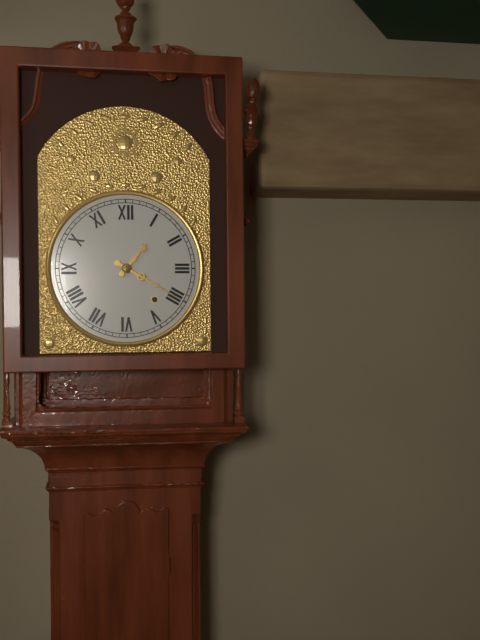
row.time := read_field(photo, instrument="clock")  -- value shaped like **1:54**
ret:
**1:20**
